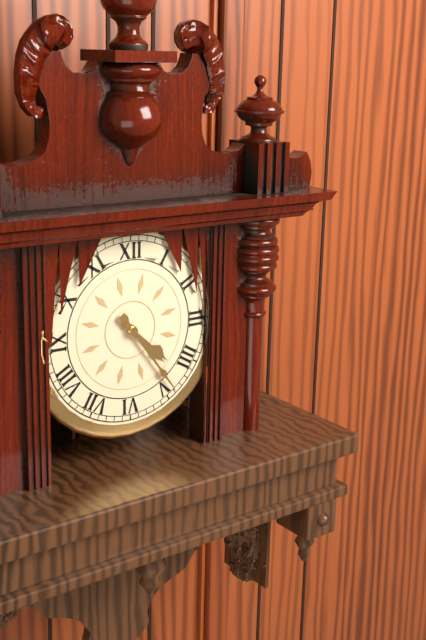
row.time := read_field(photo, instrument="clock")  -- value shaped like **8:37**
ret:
**4:24**
